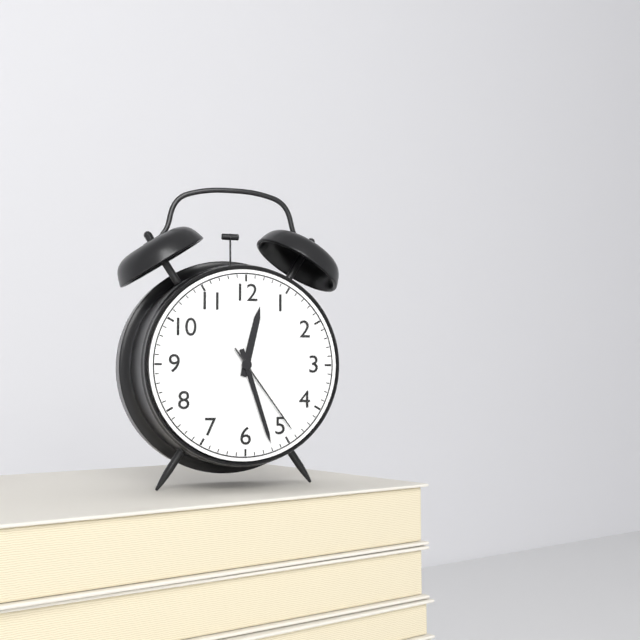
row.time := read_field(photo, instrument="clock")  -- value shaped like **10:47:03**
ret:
**12:27:24**
